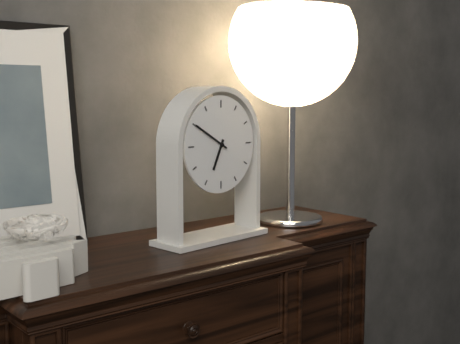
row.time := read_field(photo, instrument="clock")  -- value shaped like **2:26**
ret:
**6:50**
